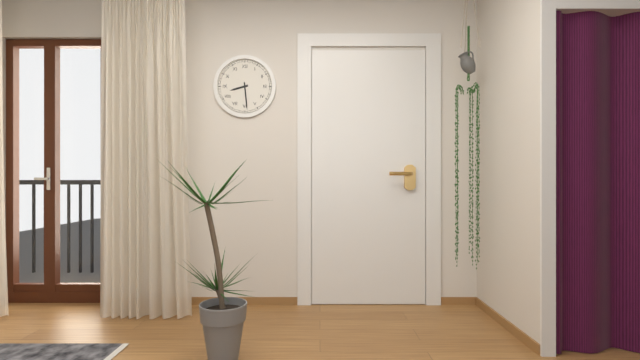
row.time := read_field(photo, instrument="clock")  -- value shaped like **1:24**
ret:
**8:29**
